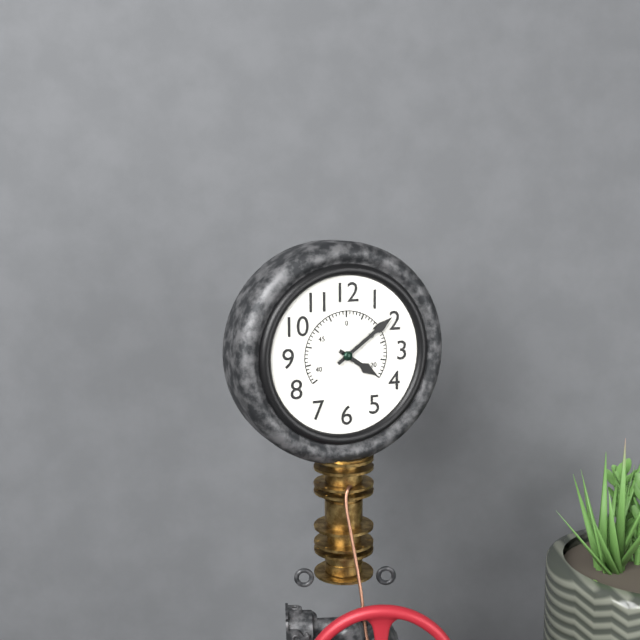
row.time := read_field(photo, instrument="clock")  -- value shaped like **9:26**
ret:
**4:09**
